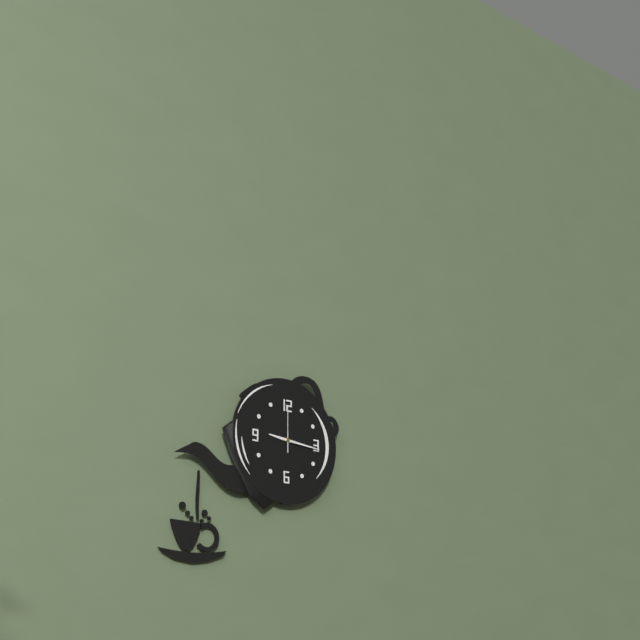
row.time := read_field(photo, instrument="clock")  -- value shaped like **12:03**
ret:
**9:16**
